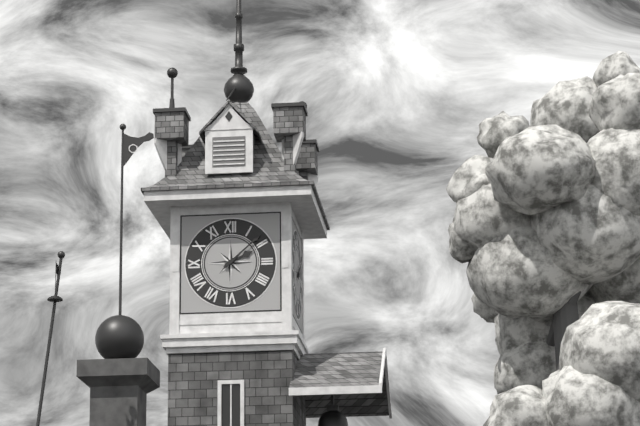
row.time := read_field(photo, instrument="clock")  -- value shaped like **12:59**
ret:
**2:08**
